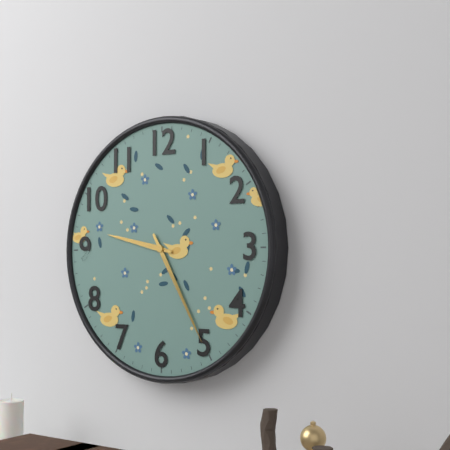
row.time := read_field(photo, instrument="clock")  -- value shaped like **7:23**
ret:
**9:25**
